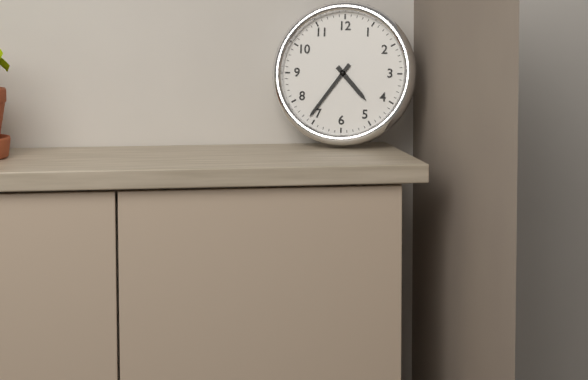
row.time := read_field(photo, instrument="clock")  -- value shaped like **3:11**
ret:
**4:36**
